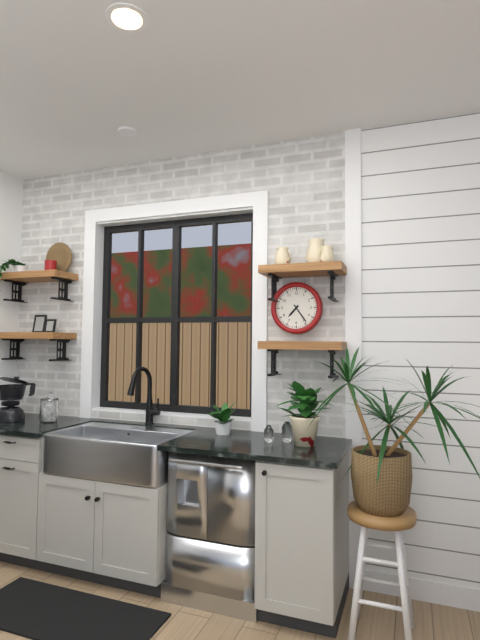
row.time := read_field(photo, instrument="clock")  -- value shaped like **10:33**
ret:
**7:24**
